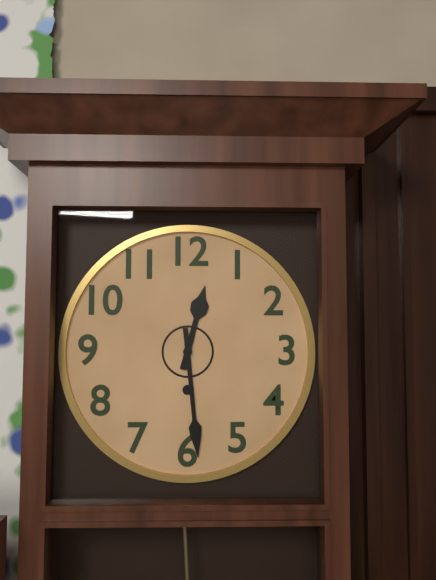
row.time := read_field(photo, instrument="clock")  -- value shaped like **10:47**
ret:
**12:29**
